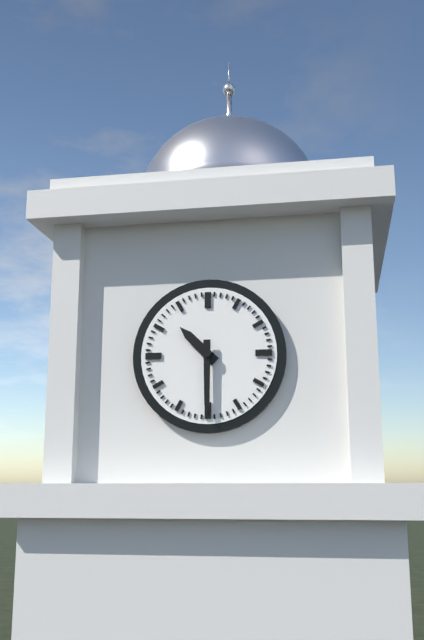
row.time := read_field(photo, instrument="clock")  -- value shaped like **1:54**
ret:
**10:30**
